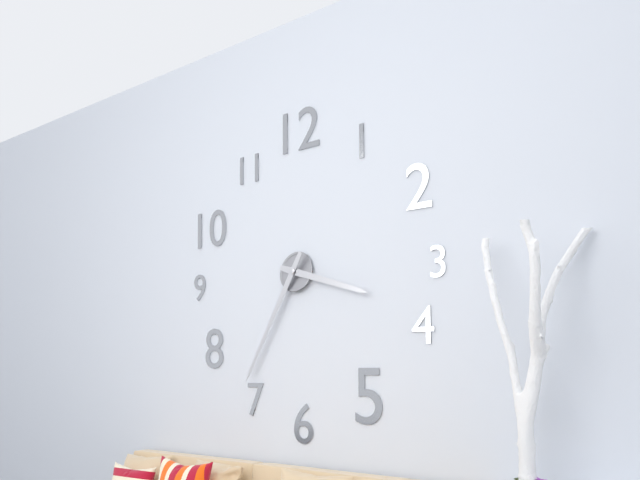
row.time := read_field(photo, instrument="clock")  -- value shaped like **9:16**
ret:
**3:35**
